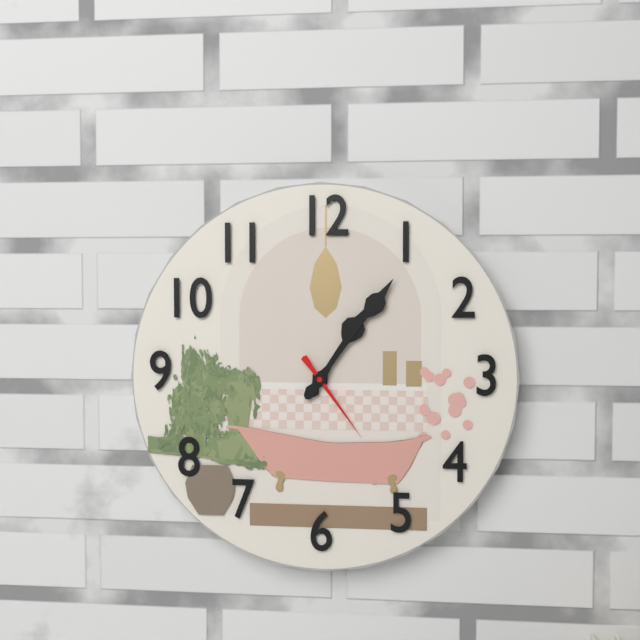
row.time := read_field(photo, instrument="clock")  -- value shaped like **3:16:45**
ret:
**1:06:24**
